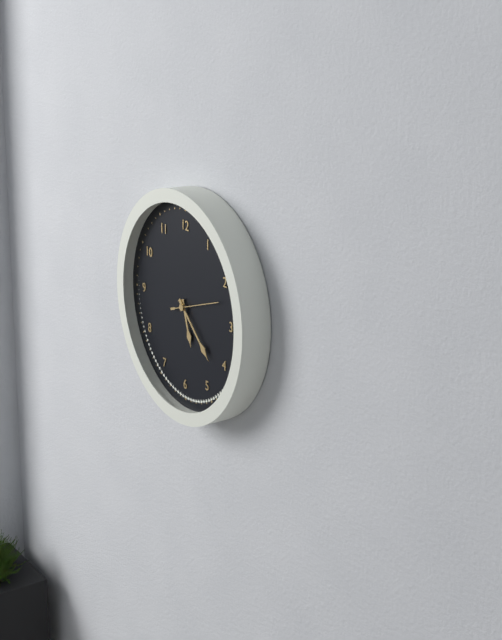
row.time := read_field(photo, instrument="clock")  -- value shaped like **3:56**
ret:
**5:22**
